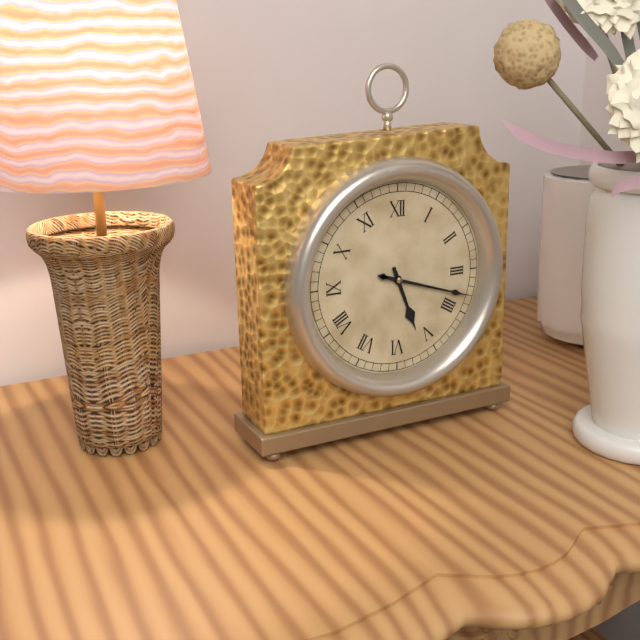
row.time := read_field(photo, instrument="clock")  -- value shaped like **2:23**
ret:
**5:18**
